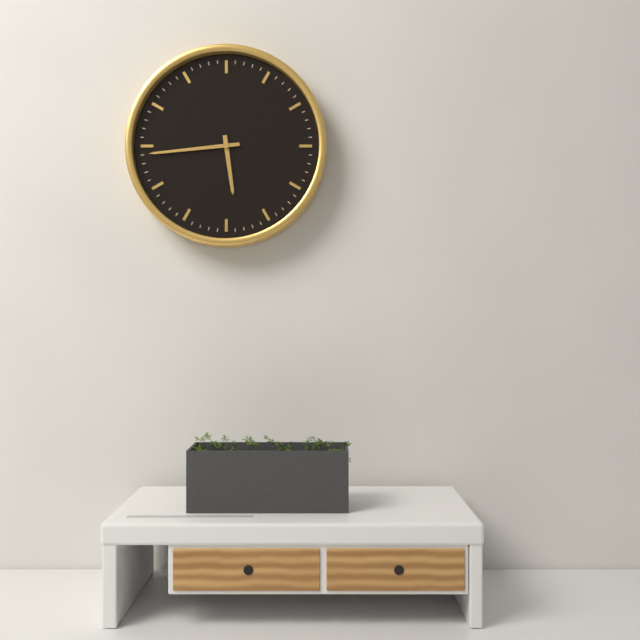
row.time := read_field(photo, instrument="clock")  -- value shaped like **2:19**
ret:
**5:44**
